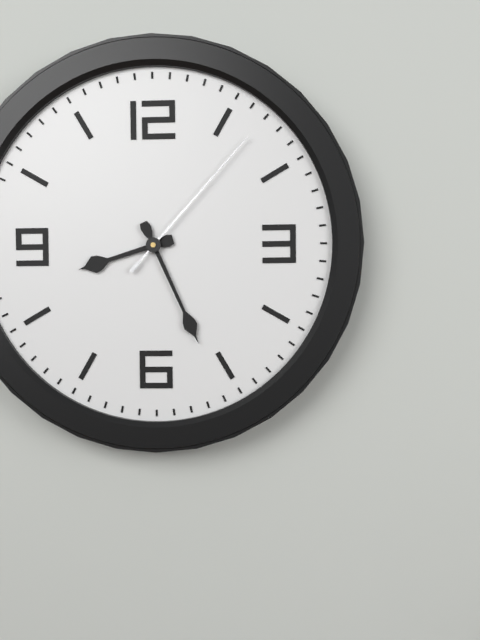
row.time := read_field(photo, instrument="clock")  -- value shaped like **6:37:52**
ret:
**8:26:07**
